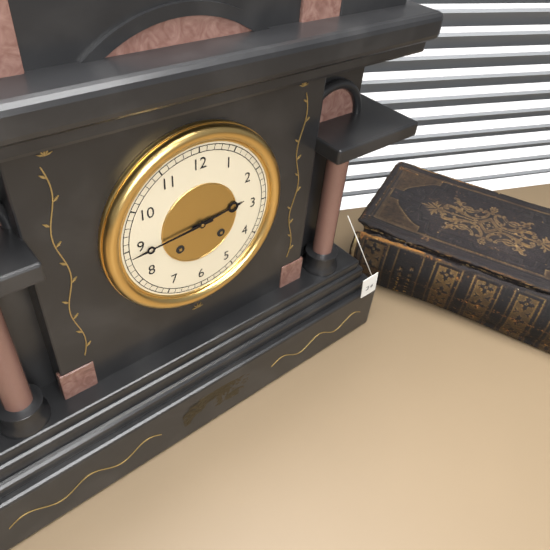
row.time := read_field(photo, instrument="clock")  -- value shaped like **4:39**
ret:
**2:44**
